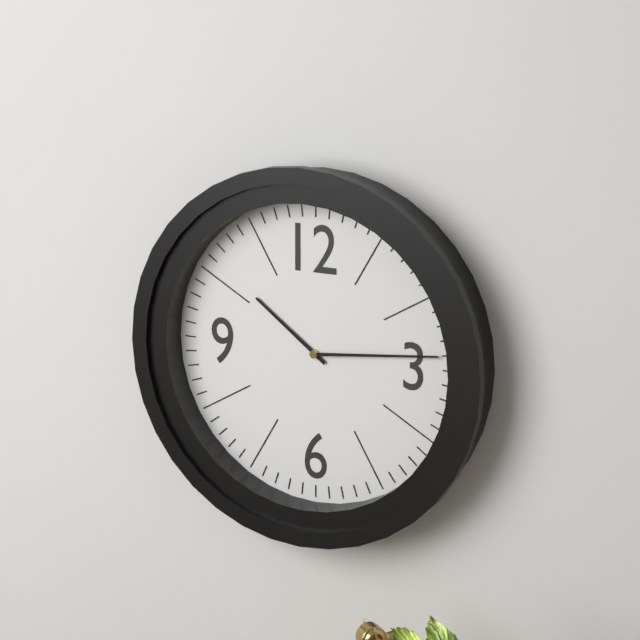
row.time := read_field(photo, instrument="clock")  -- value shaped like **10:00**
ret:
**10:14**
